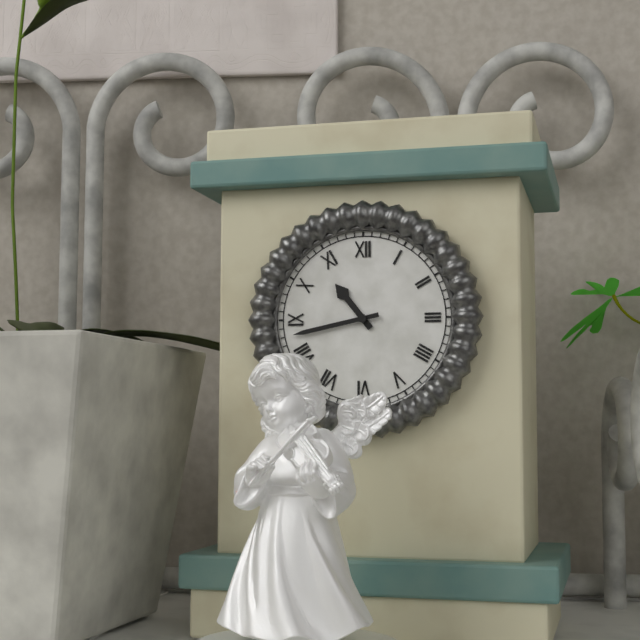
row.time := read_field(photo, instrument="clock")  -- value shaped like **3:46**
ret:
**10:43**
